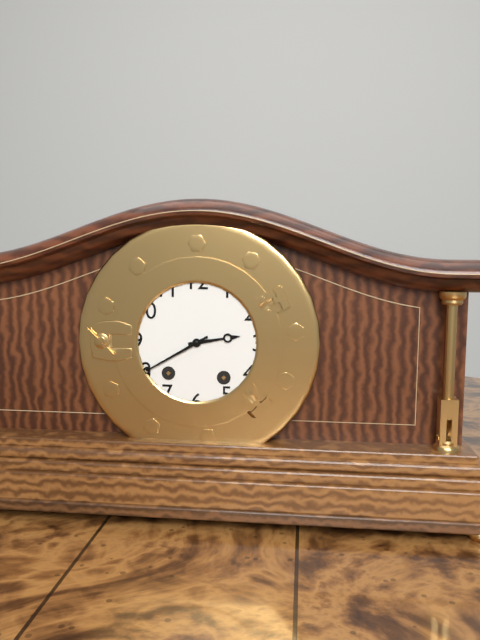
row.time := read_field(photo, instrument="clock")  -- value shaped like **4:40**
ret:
**2:40**
